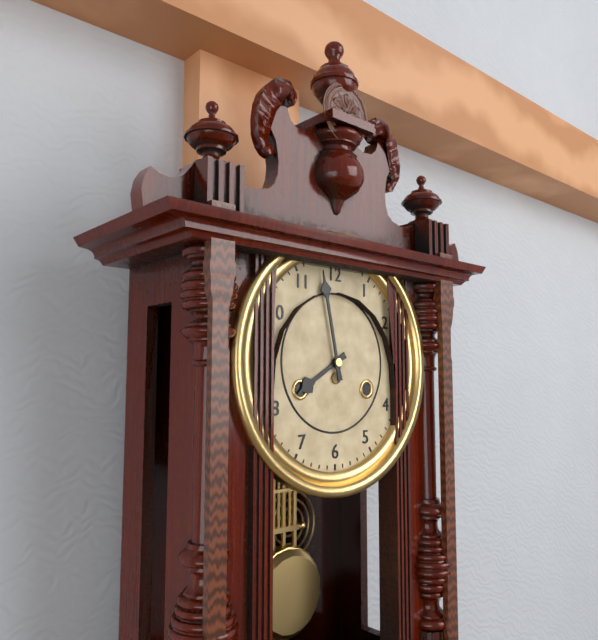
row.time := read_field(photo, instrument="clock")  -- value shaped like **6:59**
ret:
**7:58**
